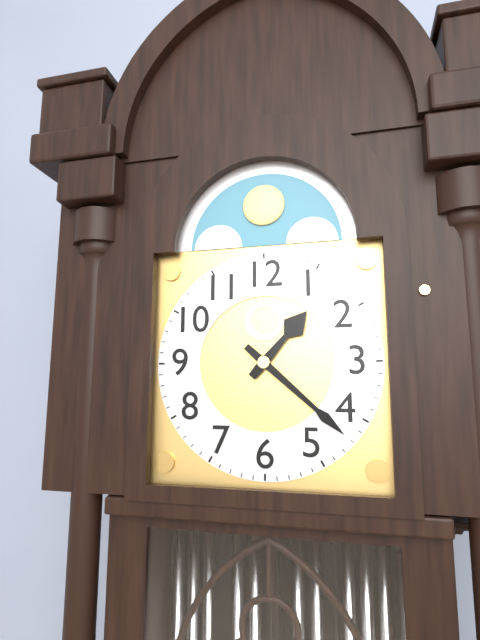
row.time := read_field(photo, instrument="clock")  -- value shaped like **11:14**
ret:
**1:22**
